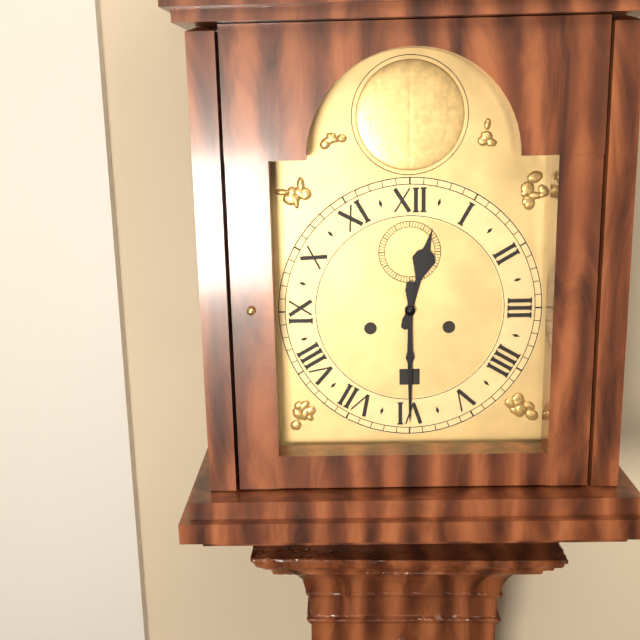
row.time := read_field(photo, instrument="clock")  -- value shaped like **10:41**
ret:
**12:30**
